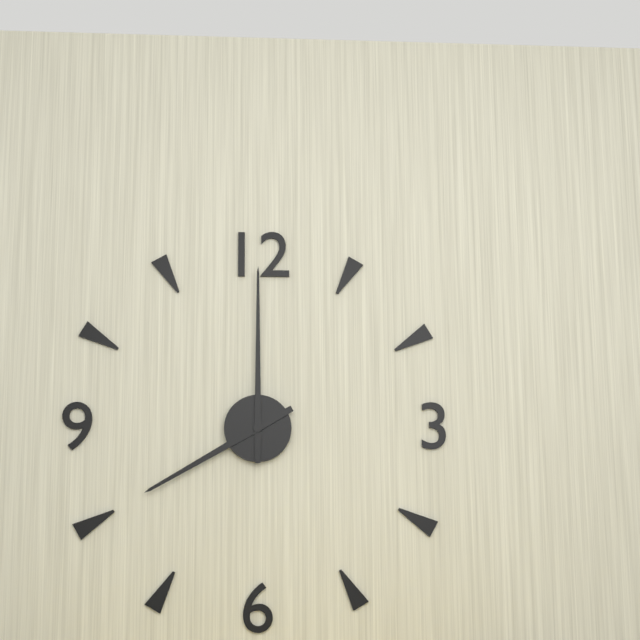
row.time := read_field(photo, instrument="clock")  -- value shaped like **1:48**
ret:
**8:00**
